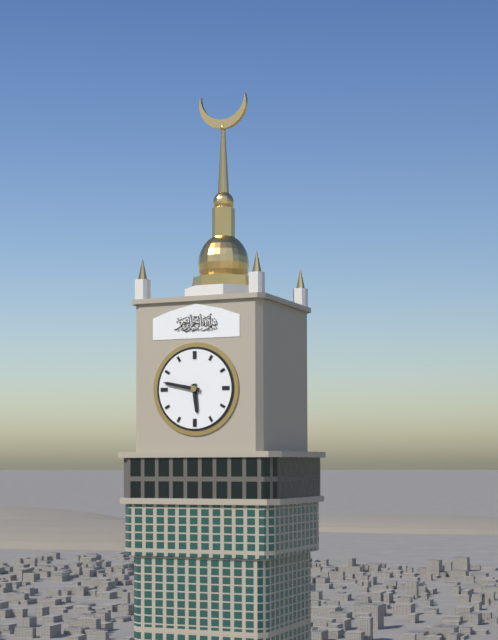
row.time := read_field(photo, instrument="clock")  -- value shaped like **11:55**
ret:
**5:47**
